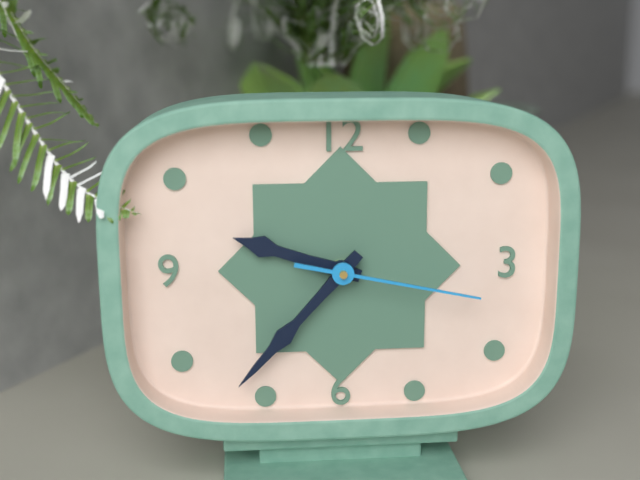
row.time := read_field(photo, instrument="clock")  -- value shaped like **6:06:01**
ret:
**9:37:17**
